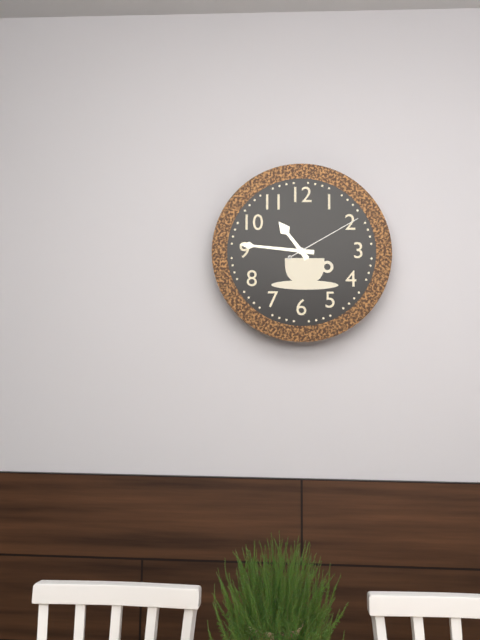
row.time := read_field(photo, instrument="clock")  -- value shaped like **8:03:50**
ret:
**10:46:10**
